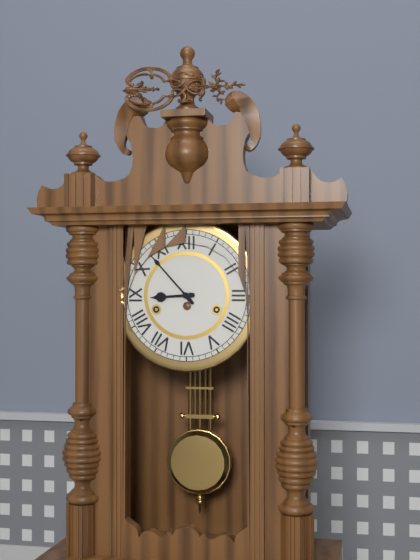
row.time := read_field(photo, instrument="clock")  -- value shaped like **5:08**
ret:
**8:53**
